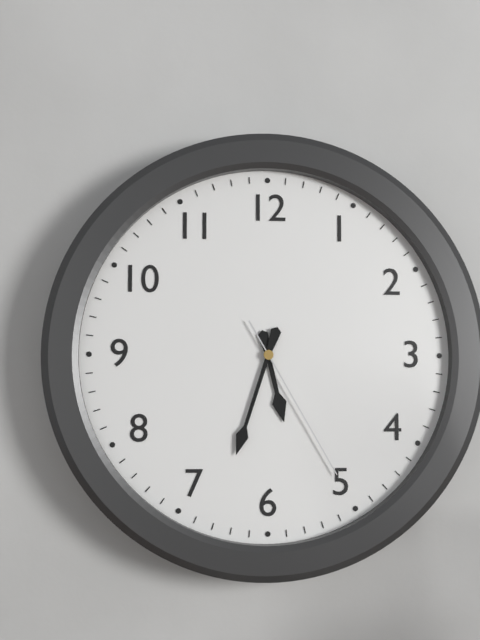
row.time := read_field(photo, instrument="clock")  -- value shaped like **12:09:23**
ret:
**5:33:25**
